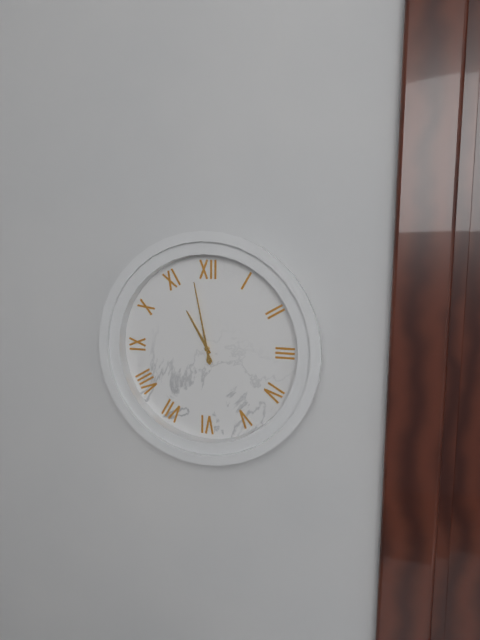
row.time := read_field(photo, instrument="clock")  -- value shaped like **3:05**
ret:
**10:58**
